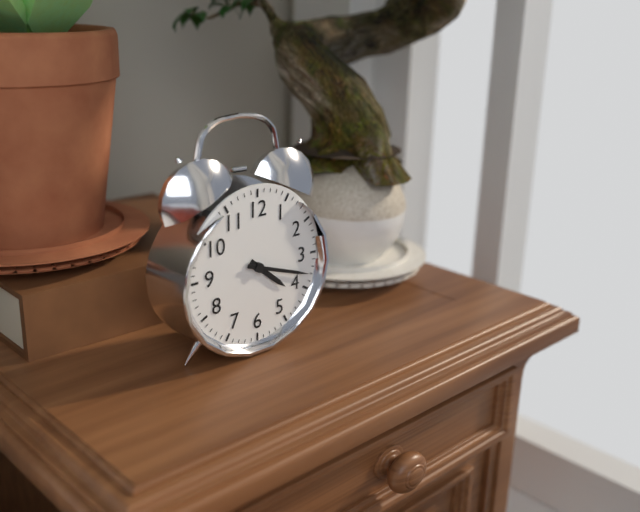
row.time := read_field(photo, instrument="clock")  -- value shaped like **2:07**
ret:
**4:18**
